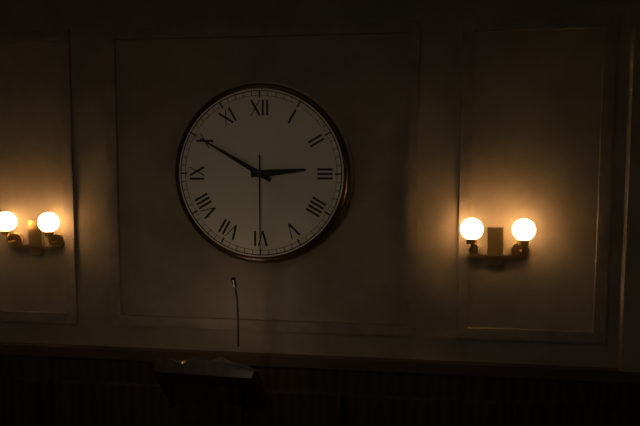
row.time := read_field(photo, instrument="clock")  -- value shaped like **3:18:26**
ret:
**2:50:30**
